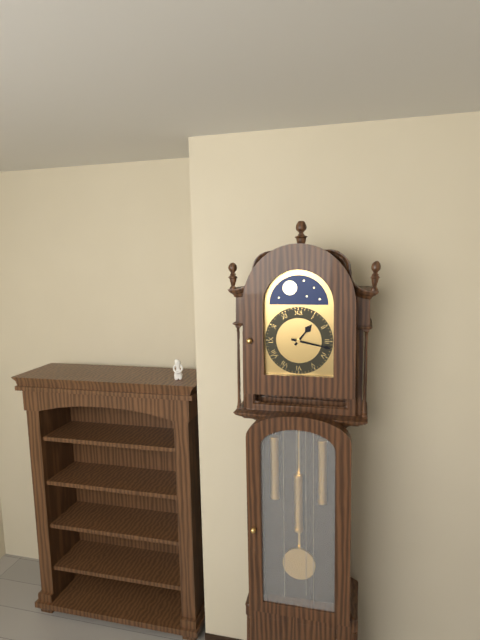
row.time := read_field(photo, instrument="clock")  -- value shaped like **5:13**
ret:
**1:17**
